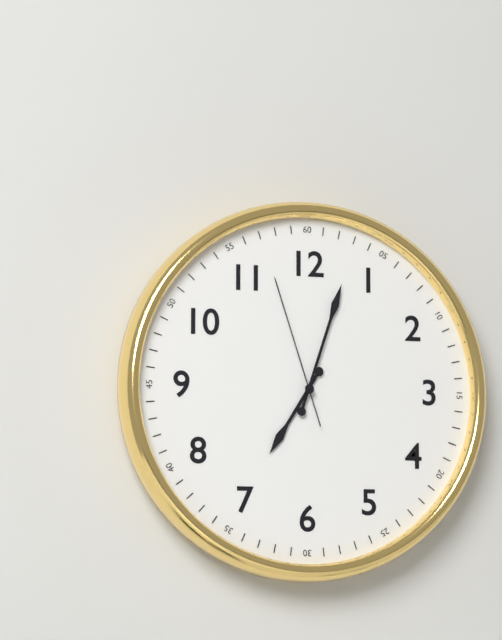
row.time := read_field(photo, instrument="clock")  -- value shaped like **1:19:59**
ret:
**7:03:57**
